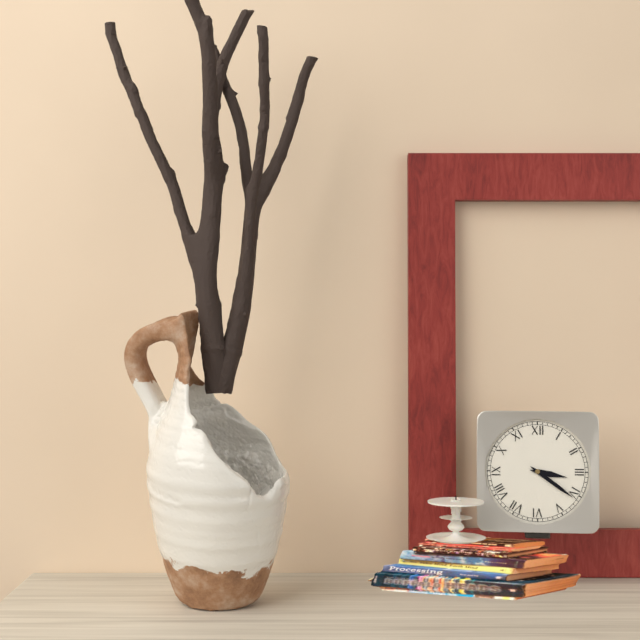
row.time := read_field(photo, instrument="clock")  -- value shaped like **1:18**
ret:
**3:21**
